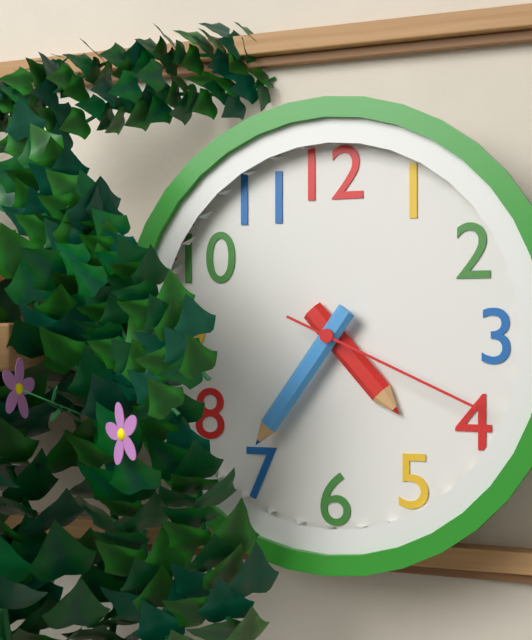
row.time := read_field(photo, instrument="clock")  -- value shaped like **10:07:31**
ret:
**4:36:19**
